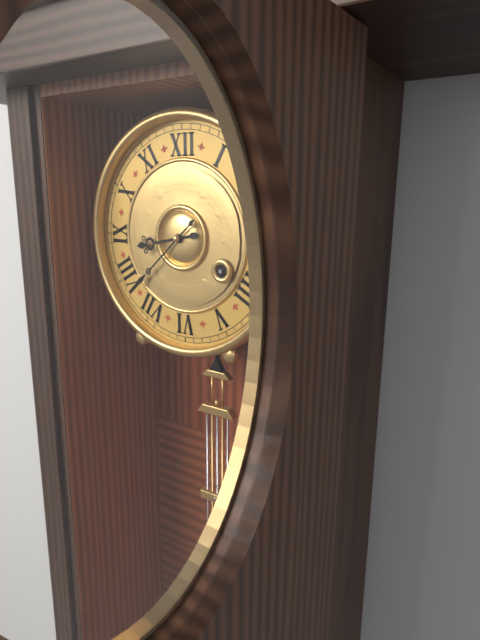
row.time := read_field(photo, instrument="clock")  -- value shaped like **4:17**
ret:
**8:38**
